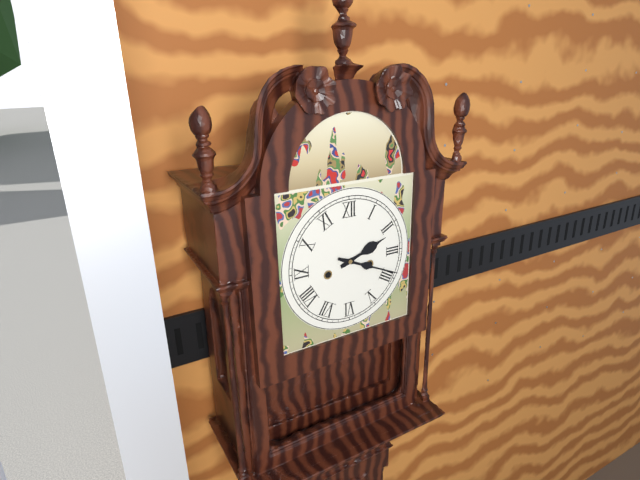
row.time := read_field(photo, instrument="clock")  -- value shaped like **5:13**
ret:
**2:19**
